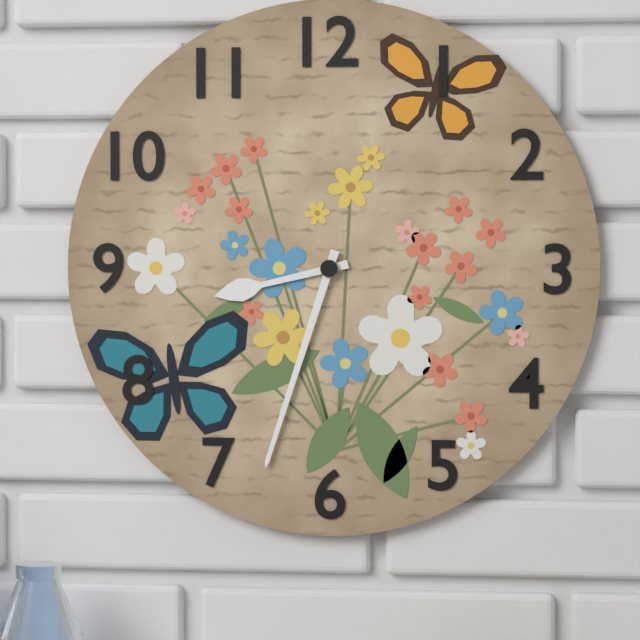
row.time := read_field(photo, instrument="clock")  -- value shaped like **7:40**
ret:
**8:33**
